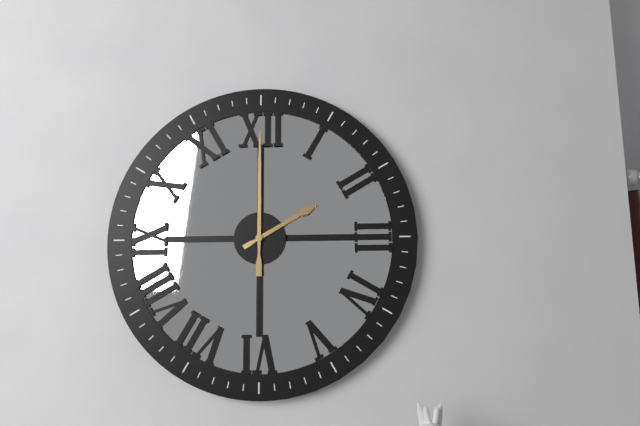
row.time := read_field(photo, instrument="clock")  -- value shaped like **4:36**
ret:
**2:00**
